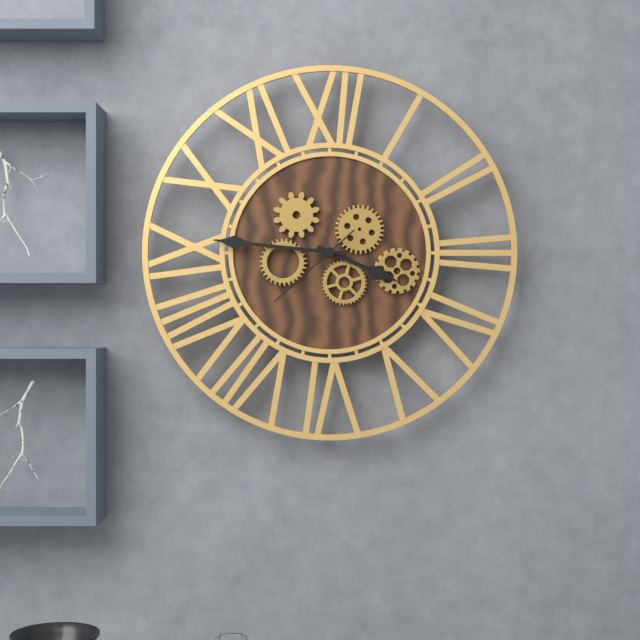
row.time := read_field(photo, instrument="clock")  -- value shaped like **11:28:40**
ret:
**3:46:38**
